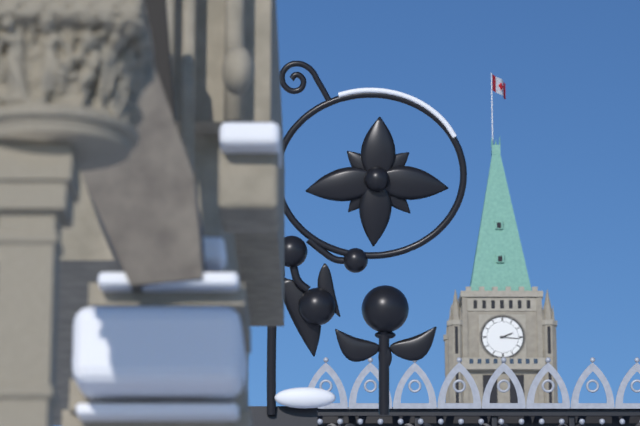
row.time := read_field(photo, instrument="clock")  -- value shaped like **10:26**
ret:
**2:16**
